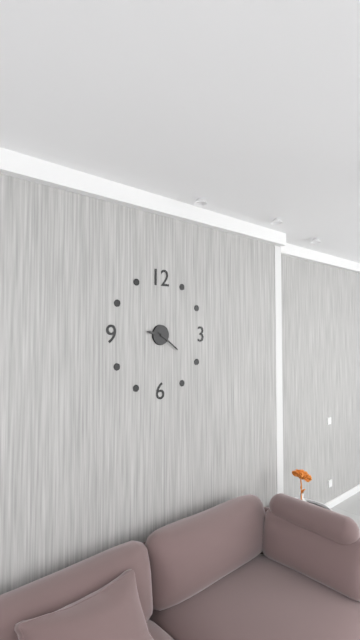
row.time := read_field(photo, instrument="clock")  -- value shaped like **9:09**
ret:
**9:21**
